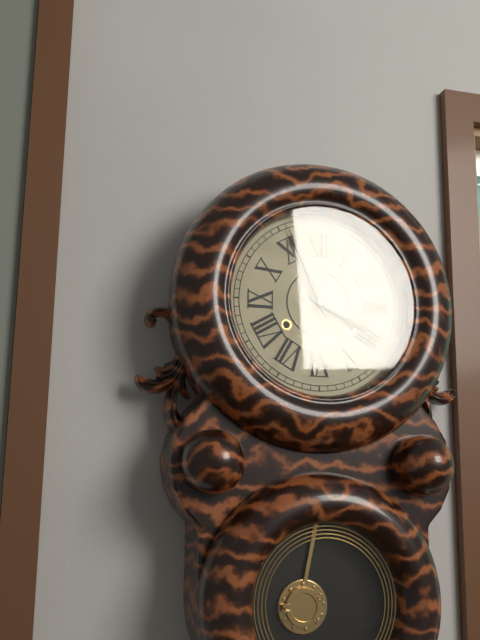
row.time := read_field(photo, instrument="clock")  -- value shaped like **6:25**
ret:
**3:56**
